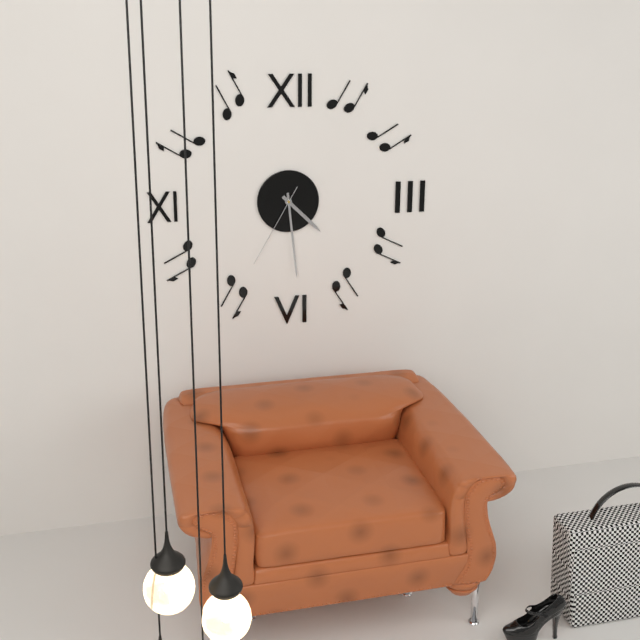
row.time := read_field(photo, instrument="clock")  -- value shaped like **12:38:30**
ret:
**4:29:35**
